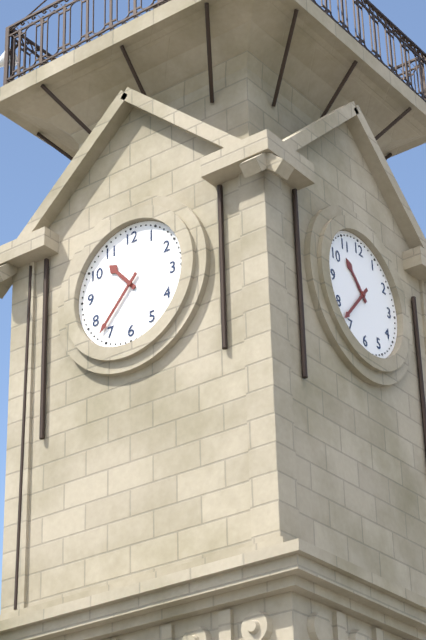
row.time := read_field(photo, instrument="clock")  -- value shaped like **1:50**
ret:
**10:37**
